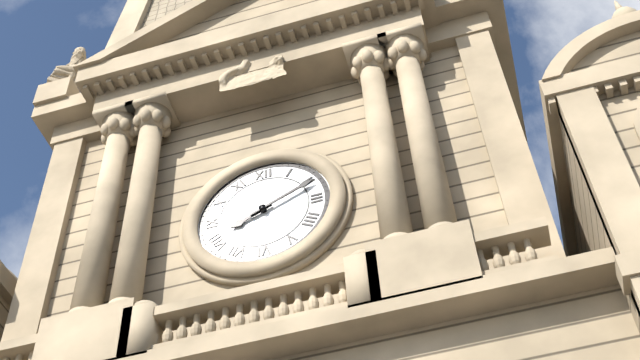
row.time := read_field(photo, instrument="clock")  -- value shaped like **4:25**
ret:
**8:11**
